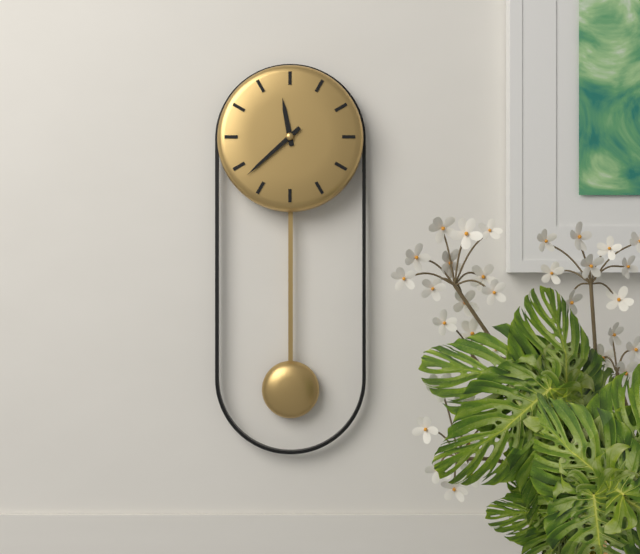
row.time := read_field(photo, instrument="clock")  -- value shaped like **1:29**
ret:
**11:38**
